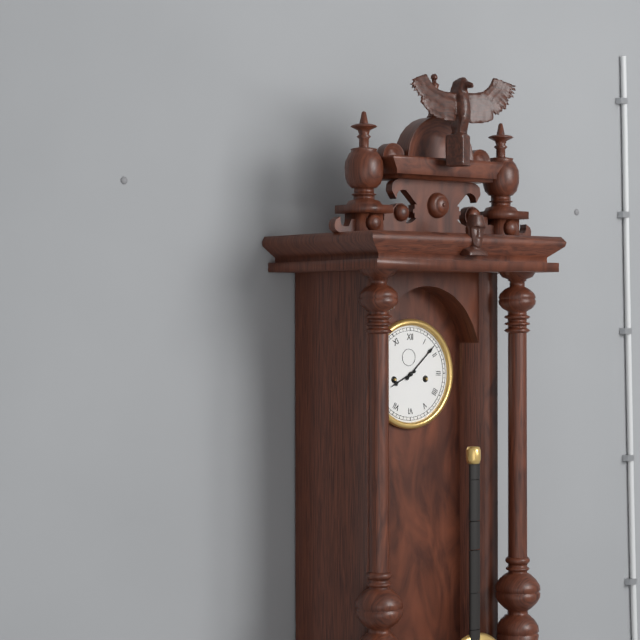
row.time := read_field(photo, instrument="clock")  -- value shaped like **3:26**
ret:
**8:08**
